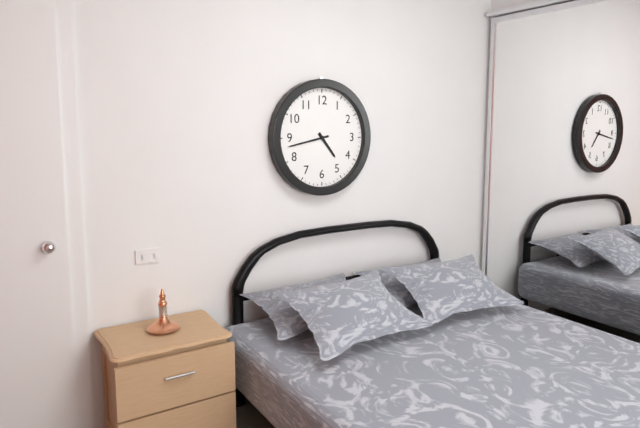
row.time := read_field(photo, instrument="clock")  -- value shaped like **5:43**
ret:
**4:43**
